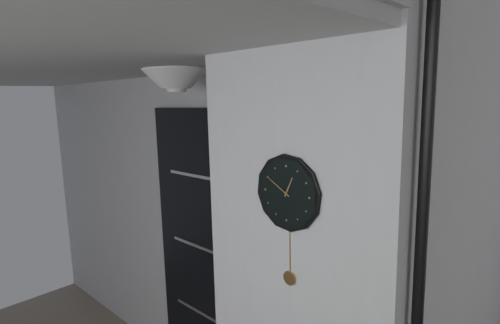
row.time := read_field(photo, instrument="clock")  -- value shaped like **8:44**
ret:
**12:50**
